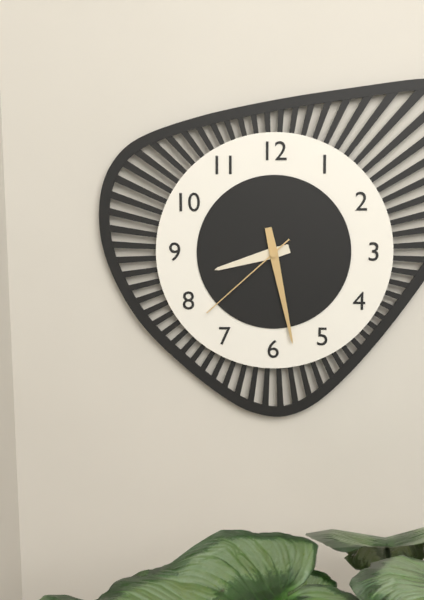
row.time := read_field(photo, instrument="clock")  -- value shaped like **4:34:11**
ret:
**8:28:38**
